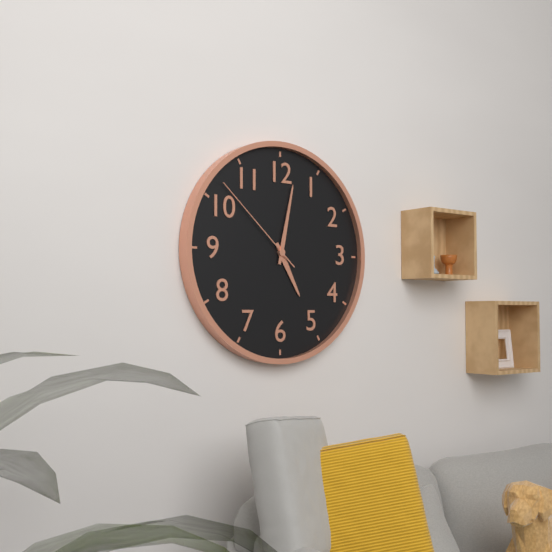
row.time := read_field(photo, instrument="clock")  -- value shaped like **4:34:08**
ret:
**5:02:52**
